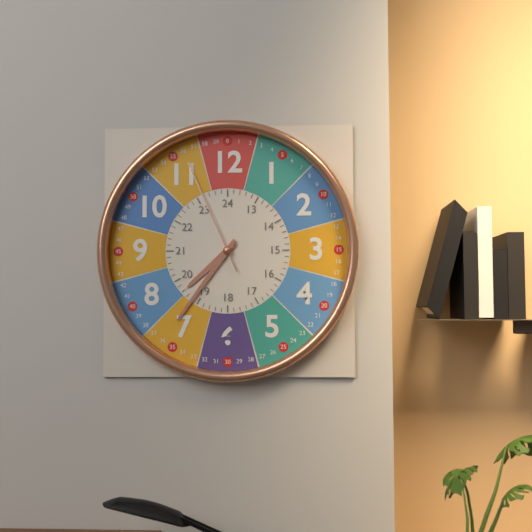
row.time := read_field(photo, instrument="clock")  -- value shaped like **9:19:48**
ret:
**7:36:56**
